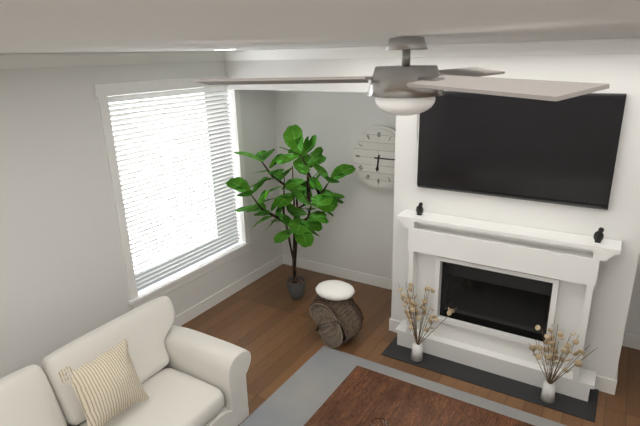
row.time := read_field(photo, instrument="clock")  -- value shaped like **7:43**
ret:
**6:15**
